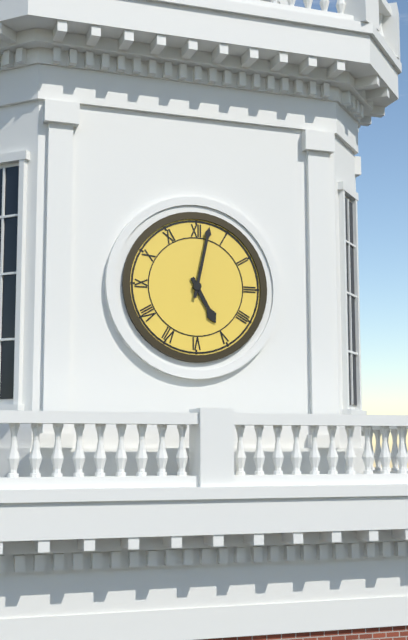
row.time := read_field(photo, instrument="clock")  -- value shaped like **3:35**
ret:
**5:02**
